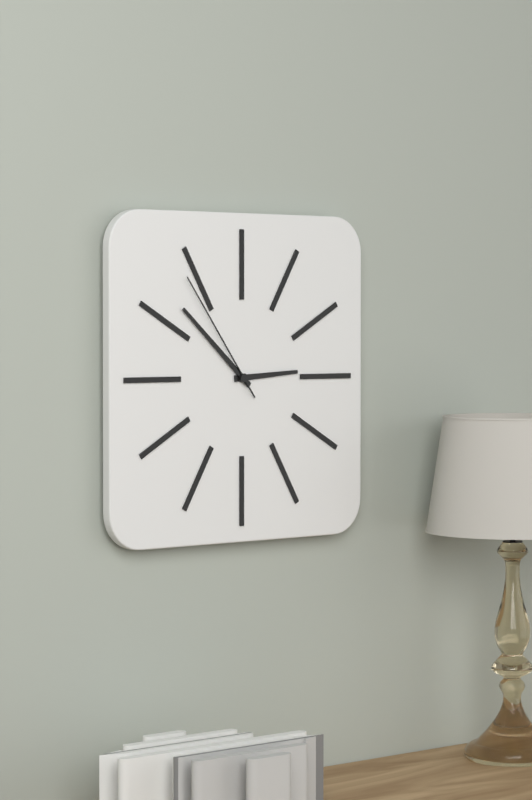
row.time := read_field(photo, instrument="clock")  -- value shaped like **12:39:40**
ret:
**2:52:54**
